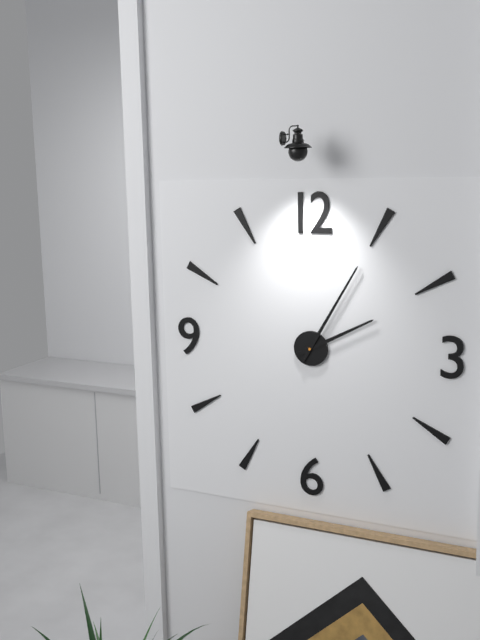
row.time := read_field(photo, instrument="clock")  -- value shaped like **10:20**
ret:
**2:05**
